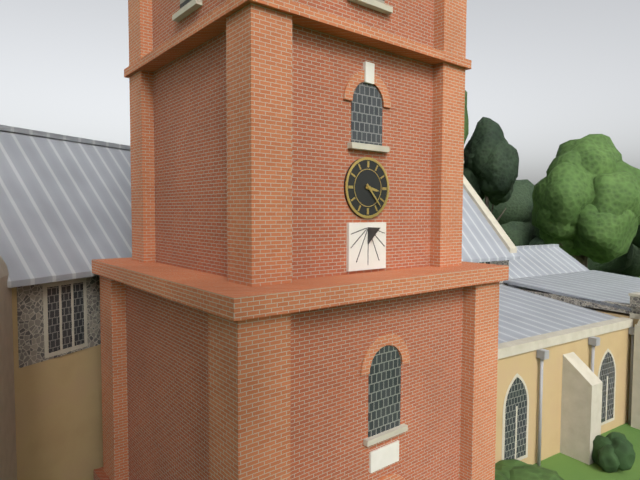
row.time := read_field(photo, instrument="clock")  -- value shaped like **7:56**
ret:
**3:23**
